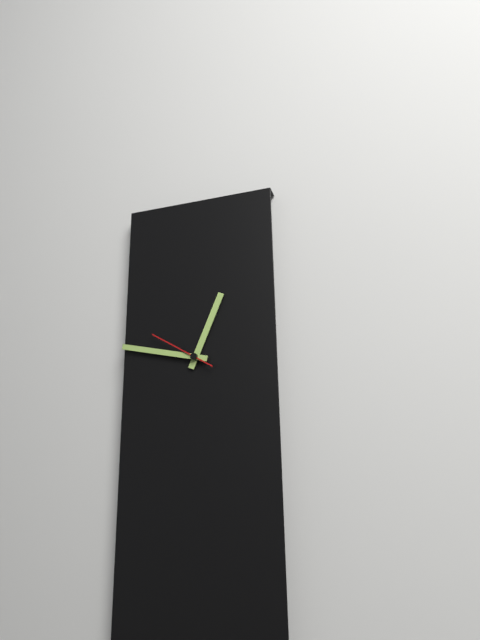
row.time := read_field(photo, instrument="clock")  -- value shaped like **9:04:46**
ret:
**12:47:50**
